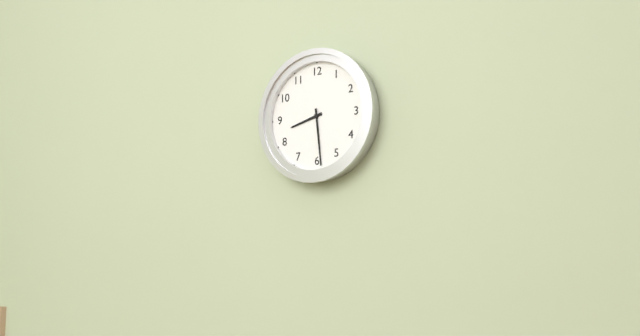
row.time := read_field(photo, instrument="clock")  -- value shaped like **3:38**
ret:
**8:29**
